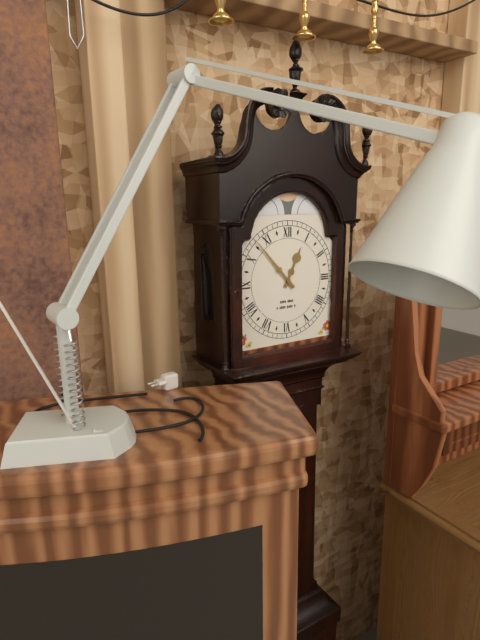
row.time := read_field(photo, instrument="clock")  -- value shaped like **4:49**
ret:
**12:53**
